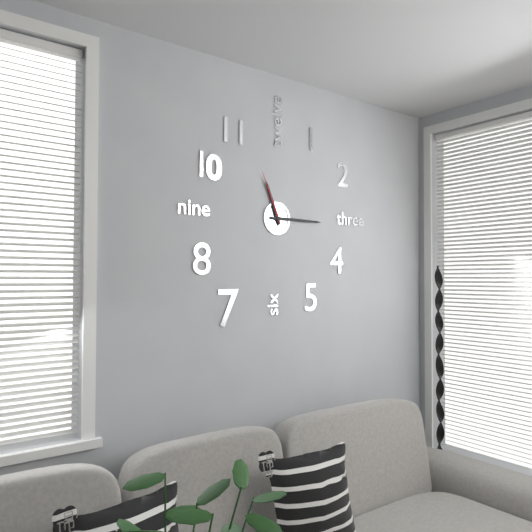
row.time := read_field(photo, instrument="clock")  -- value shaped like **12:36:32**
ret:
**11:15:56**
